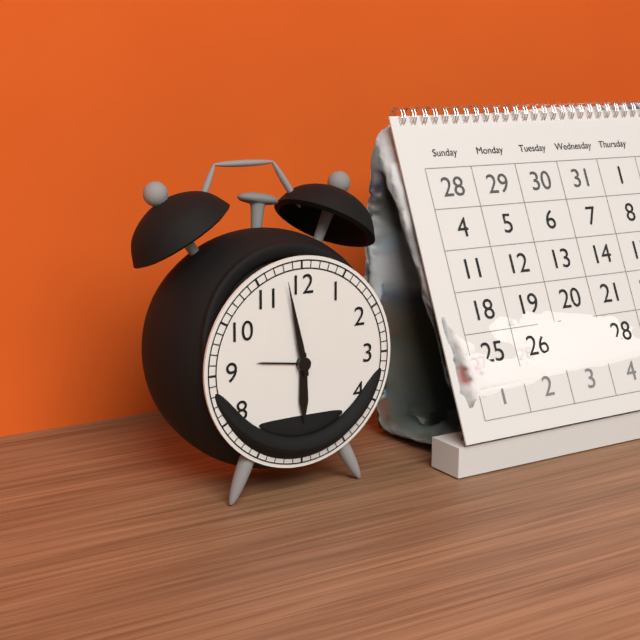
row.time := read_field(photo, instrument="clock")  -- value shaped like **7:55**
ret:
**5:58**
